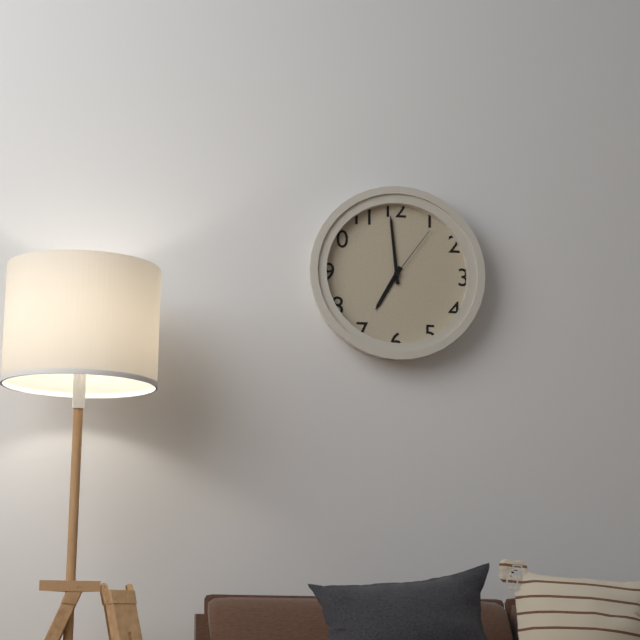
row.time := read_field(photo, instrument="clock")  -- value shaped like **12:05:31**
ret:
**6:59:06**
